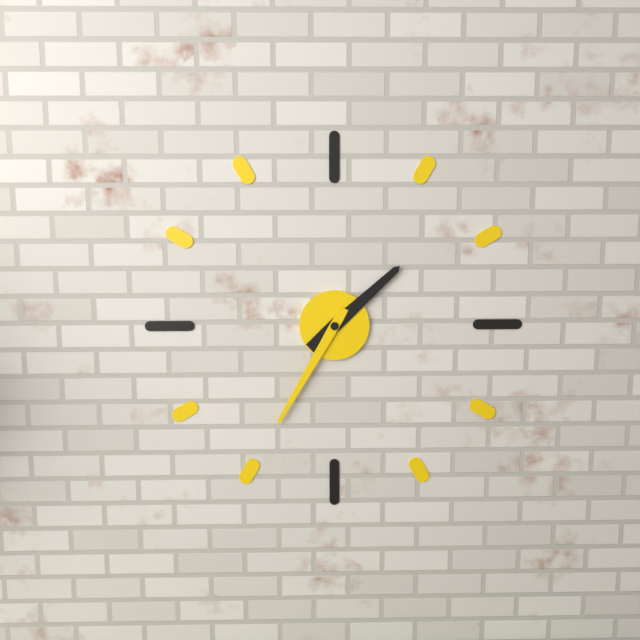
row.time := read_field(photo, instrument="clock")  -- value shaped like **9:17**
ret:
**1:35**
